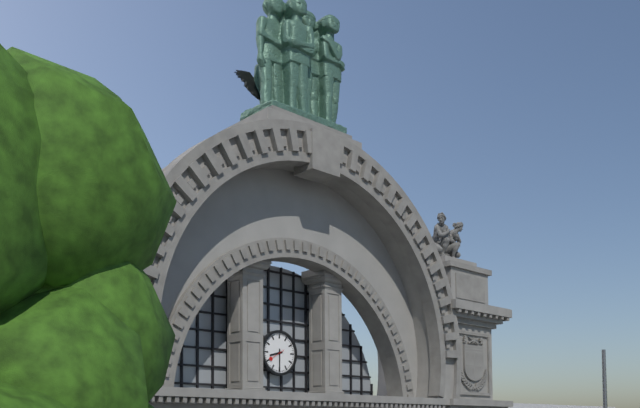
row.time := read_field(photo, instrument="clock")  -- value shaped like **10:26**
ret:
**8:30**
